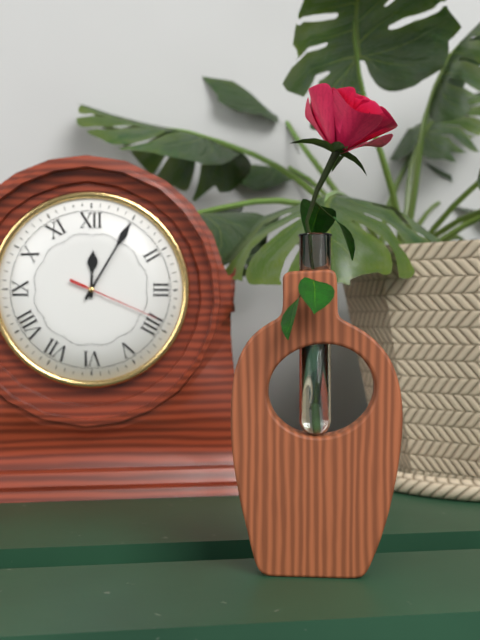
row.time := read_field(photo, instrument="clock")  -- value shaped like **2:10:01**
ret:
**12:05:19**
